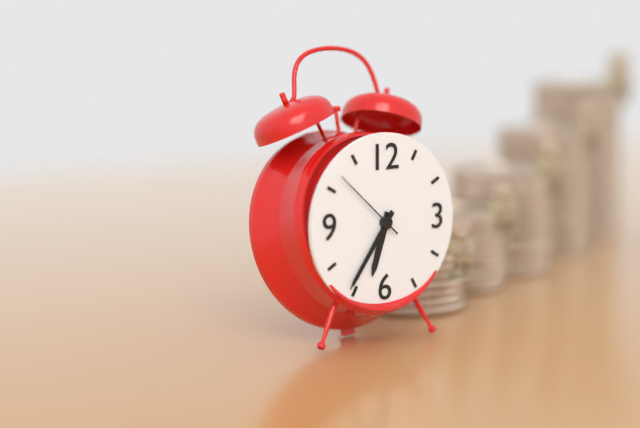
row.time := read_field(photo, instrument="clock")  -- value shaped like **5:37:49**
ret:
**6:36:52**
